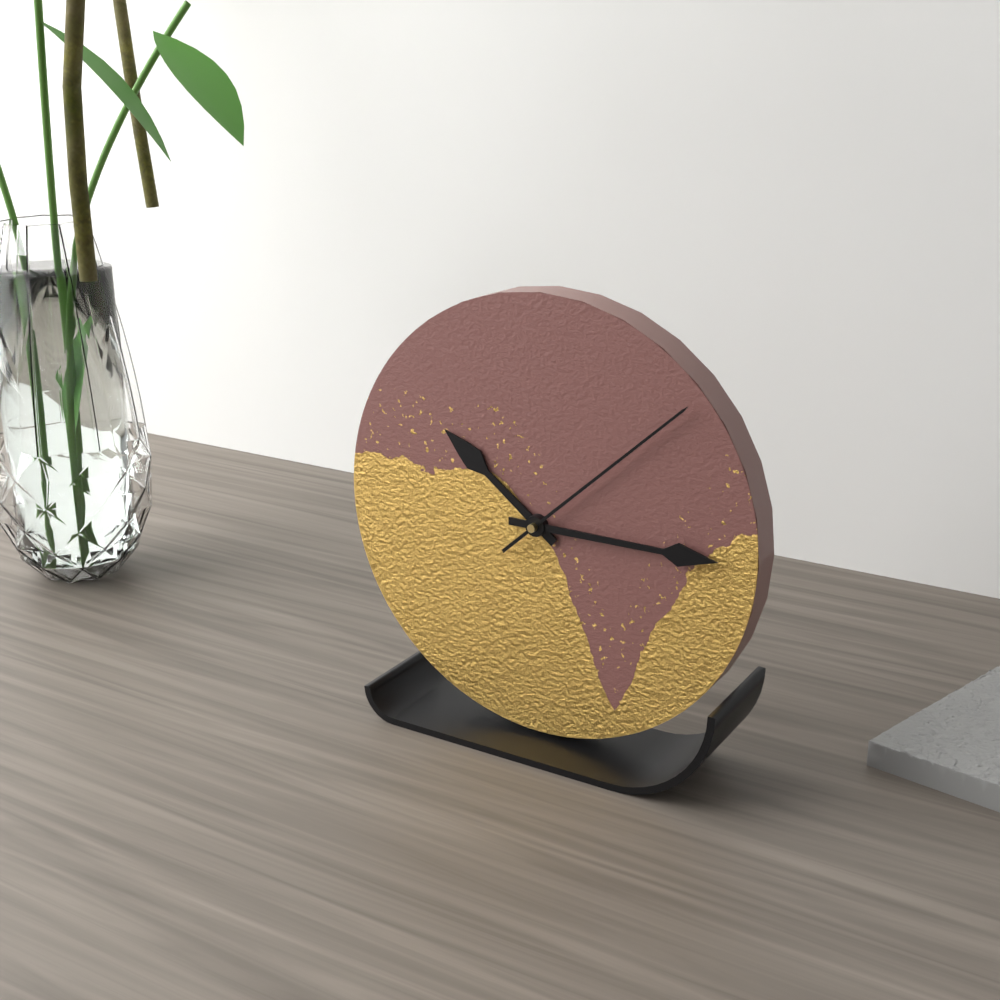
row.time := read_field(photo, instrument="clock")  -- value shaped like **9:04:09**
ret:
**10:15:08**
